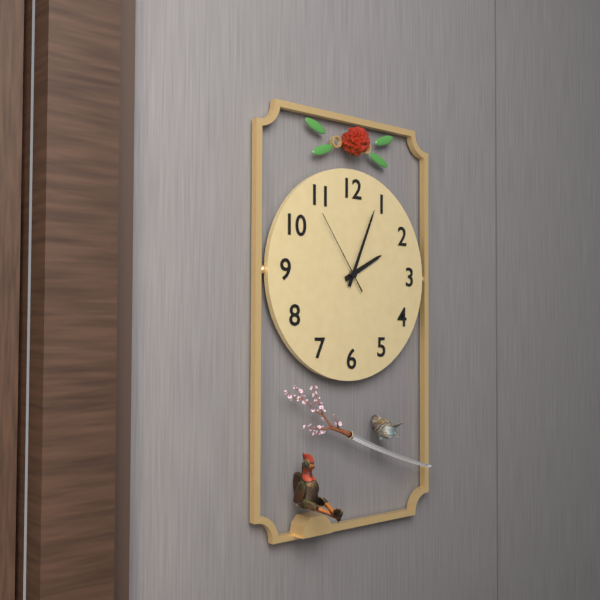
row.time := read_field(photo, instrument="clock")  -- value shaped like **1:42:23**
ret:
**2:04:54**
